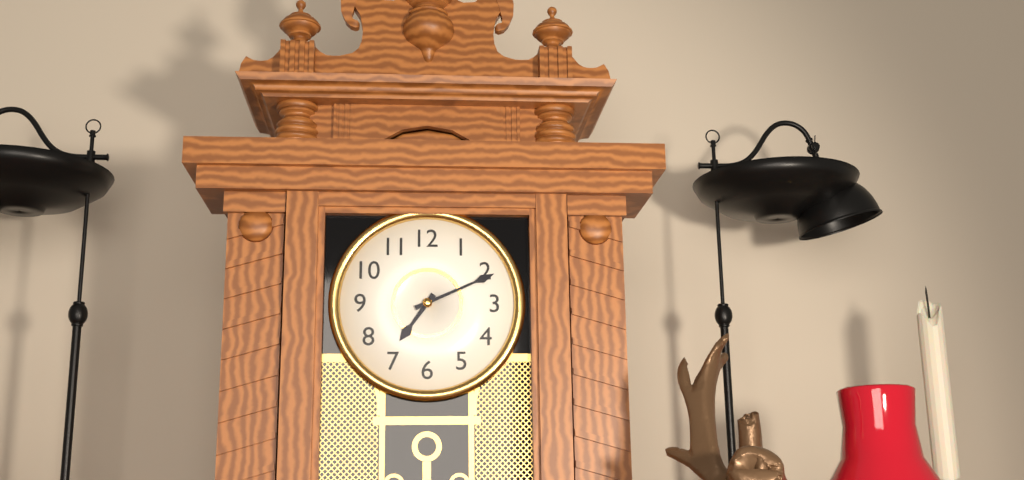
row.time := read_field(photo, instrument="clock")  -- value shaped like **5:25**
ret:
**7:11**
